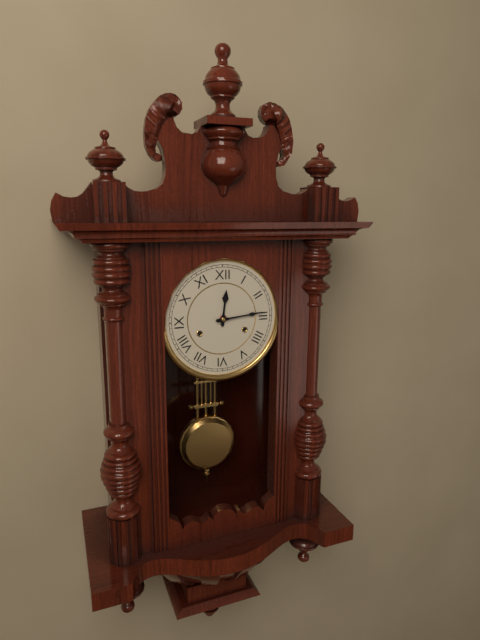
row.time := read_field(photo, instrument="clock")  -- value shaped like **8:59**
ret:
**12:14**
